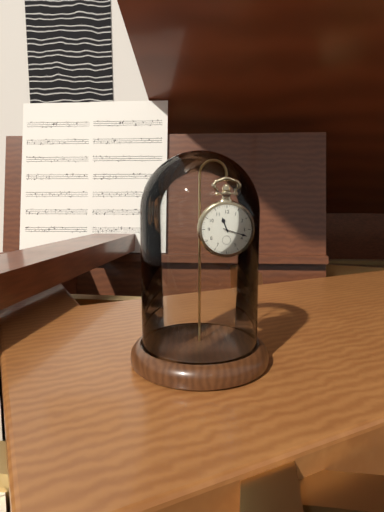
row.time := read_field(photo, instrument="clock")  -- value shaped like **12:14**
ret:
**11:18**
